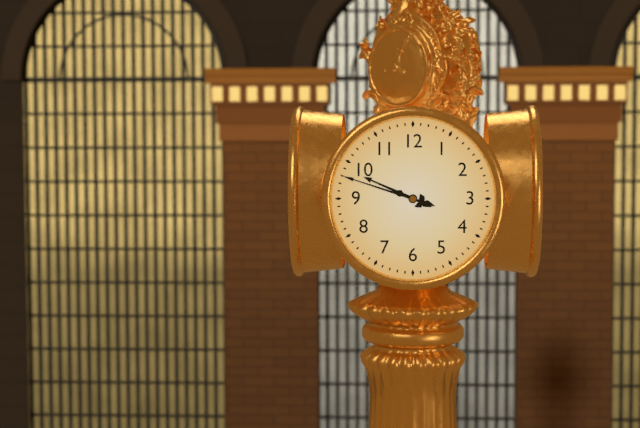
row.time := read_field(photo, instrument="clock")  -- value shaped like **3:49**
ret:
**9:48**
